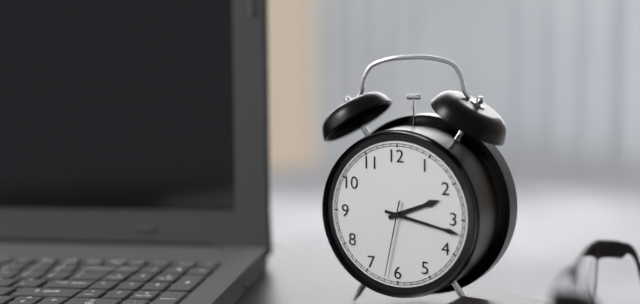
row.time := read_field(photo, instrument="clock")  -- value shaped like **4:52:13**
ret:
**2:17:32**
